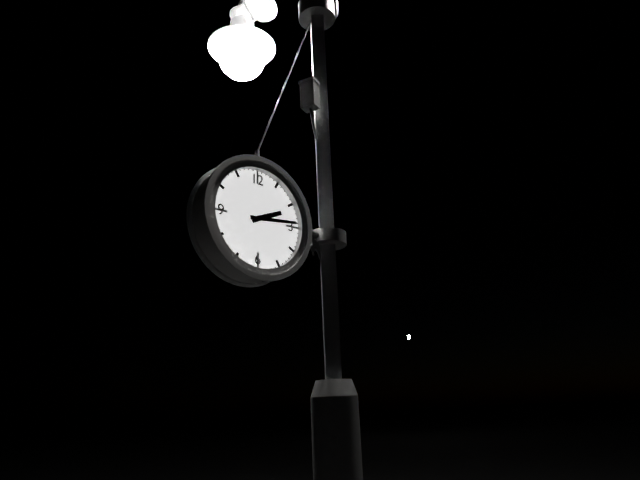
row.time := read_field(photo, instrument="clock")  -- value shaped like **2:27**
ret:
**2:14**
